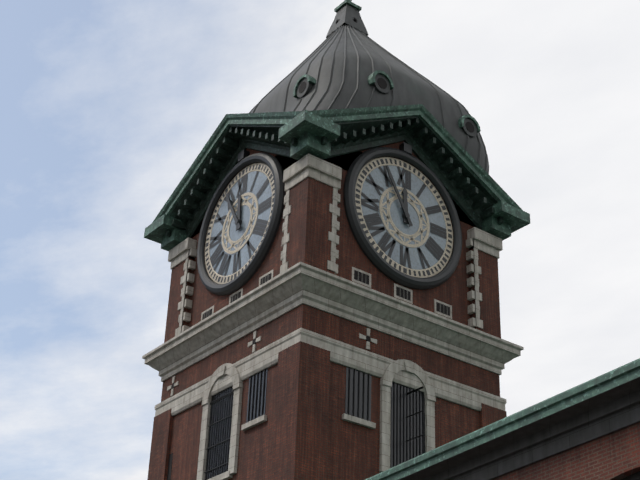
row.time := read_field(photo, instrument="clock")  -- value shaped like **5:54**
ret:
**11:55**
